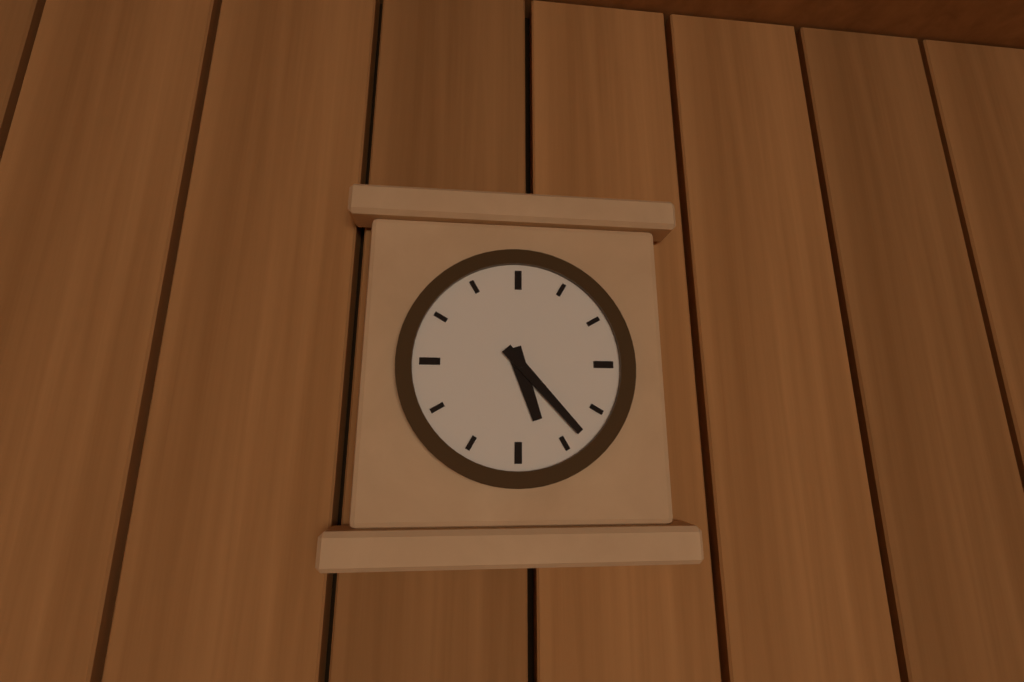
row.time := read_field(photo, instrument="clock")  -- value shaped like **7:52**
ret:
**5:23**
